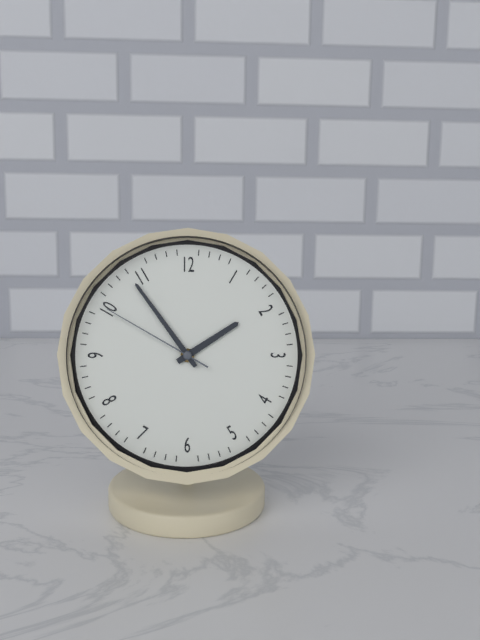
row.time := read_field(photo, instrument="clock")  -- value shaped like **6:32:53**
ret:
**1:54:50**
